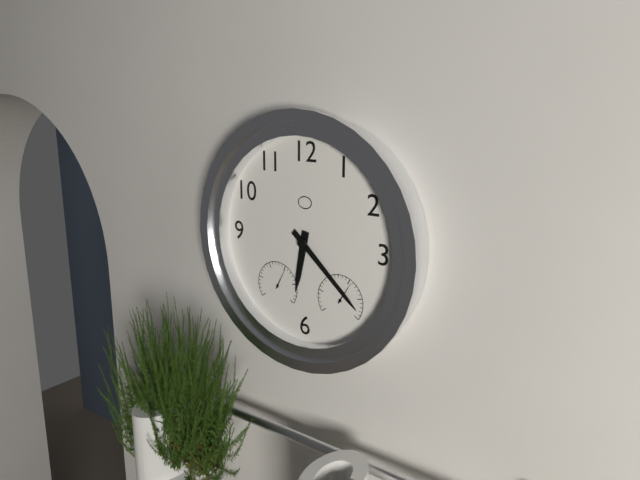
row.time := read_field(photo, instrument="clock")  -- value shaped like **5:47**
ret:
**6:22**
